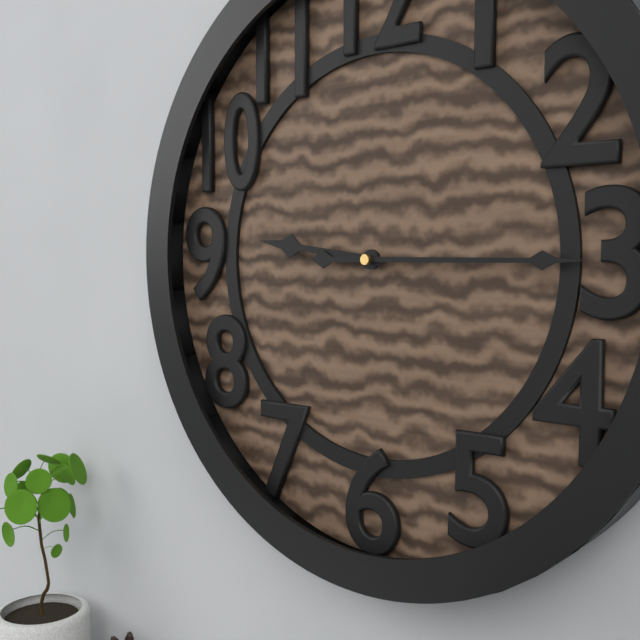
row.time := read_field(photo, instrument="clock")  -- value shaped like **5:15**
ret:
**9:15**
